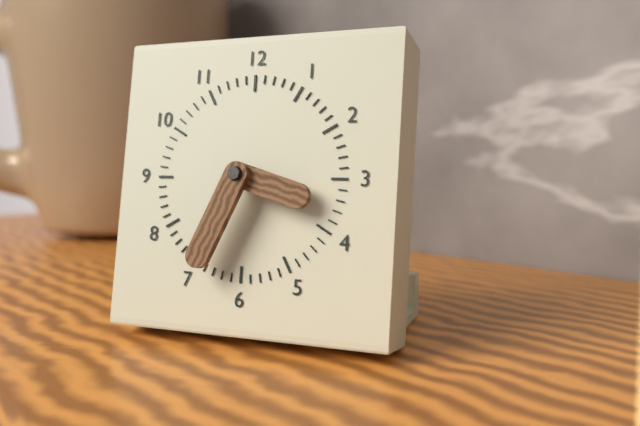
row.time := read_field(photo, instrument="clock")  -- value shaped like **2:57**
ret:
**3:34**
